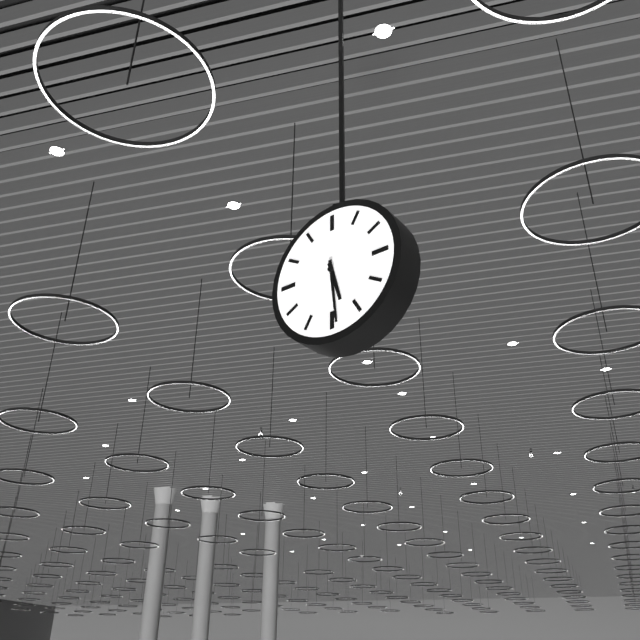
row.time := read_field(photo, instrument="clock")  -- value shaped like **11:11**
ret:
**5:29**
